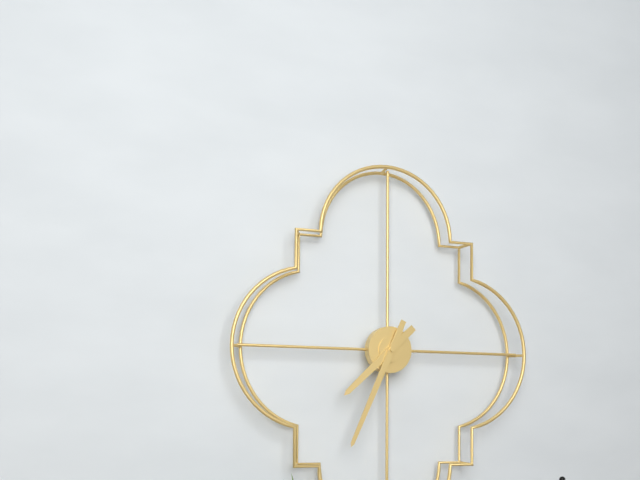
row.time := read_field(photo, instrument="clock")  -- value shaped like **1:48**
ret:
**7:34**
